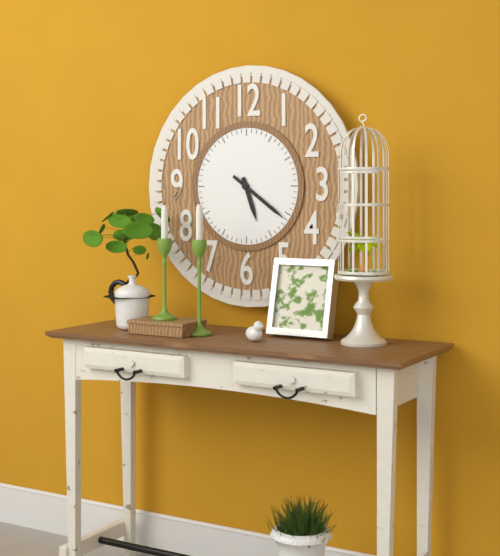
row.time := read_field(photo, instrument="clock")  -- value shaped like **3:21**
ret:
**5:21**
